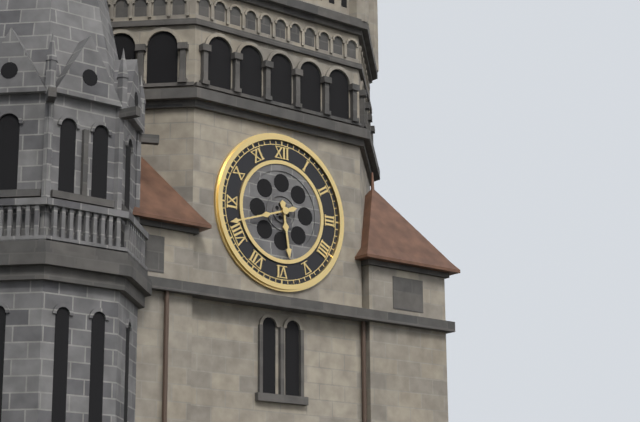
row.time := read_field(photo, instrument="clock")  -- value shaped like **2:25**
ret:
**5:42**
